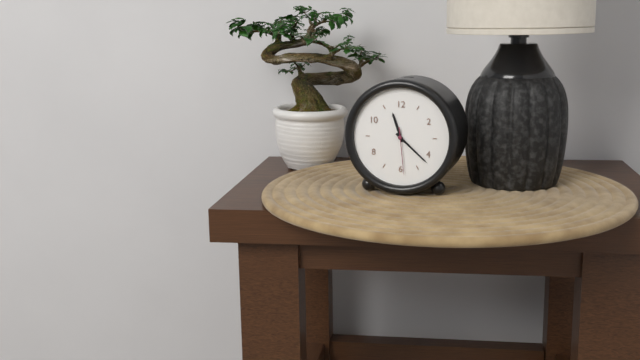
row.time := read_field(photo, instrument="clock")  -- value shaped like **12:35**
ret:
**11:22**
